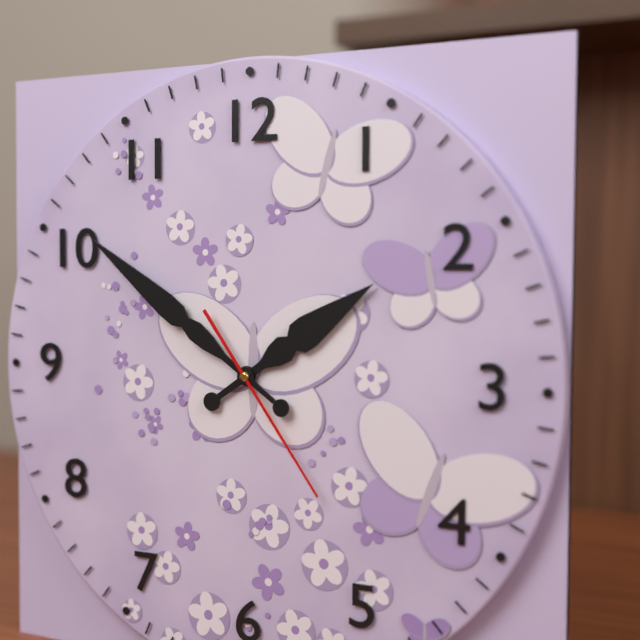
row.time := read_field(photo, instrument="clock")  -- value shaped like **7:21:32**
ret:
**1:51:24**
